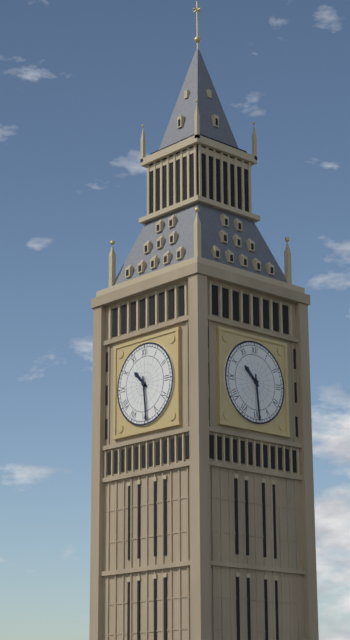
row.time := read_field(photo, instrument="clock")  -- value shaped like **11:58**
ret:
**10:29**
